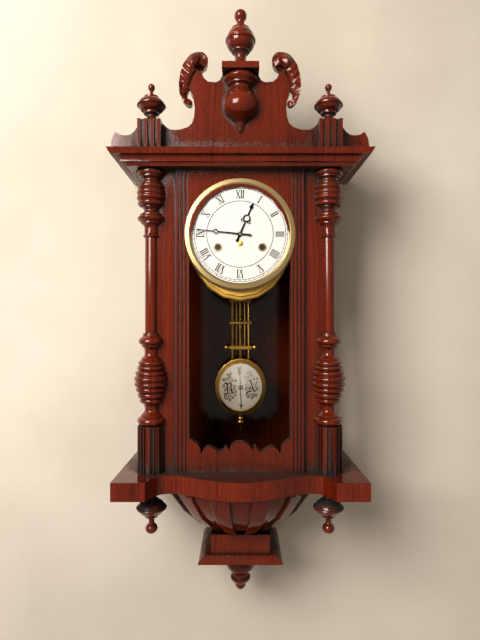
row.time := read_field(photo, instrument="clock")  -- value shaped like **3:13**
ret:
**12:46**
